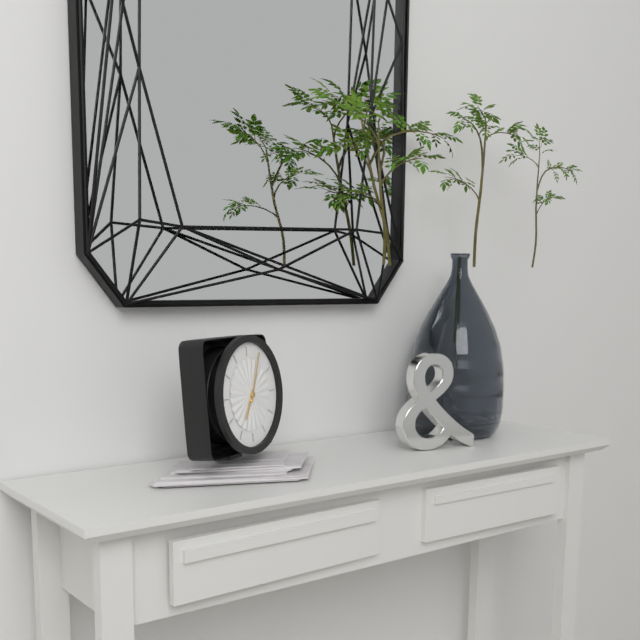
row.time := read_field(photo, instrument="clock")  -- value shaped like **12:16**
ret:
**7:04**
